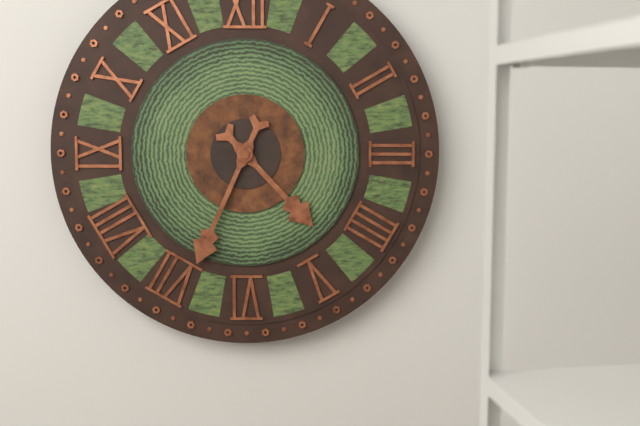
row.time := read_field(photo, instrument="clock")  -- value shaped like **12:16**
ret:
**4:34**
